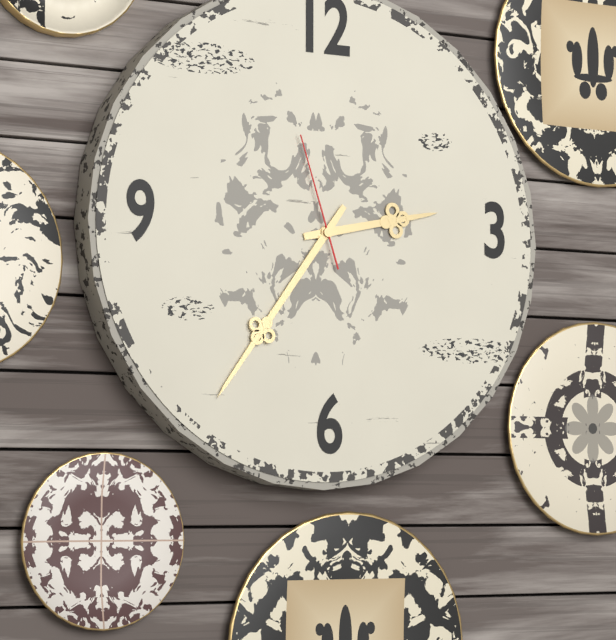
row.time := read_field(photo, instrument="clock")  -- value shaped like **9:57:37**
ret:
**2:36:57**
